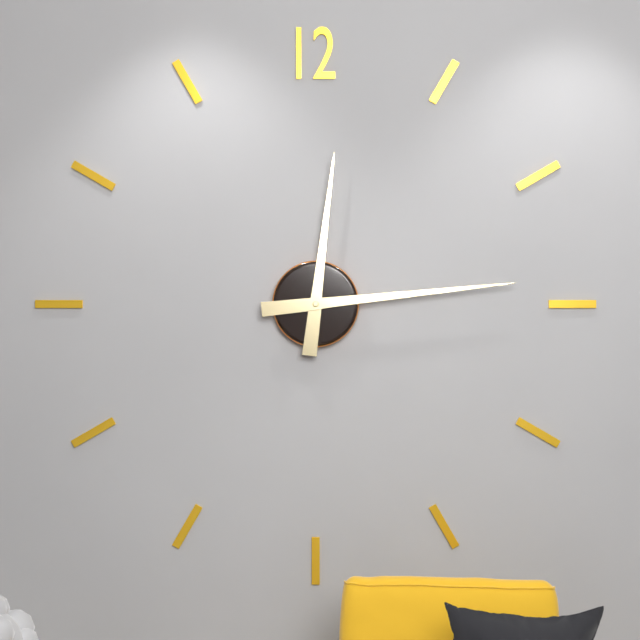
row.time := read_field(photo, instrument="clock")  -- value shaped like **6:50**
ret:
**12:14**
